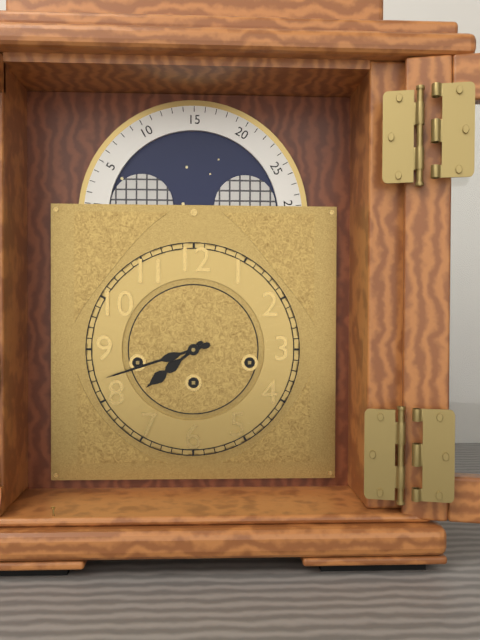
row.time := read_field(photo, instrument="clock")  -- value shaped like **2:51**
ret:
**7:42**
